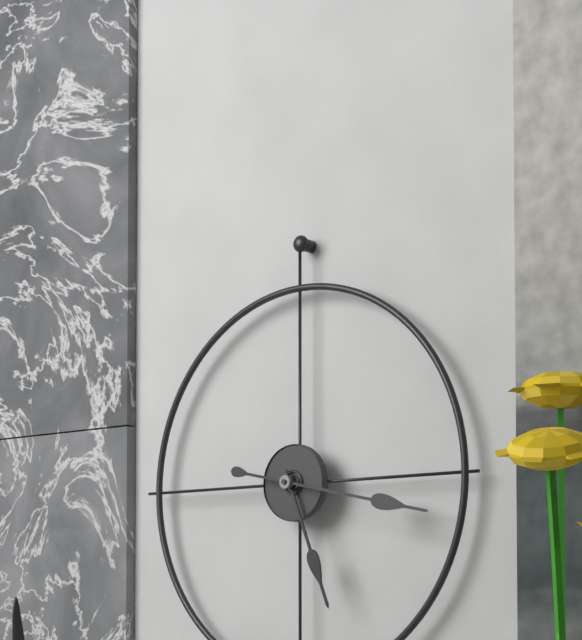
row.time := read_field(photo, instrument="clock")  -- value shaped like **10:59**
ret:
**5:17**
